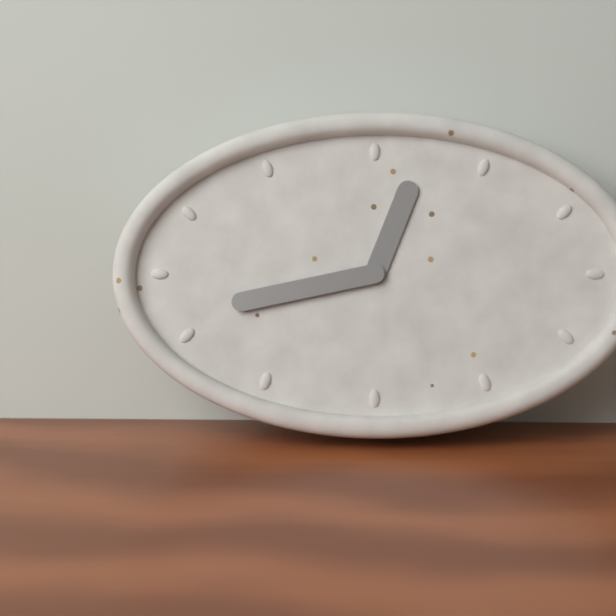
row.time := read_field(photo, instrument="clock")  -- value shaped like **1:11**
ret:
**12:43**
